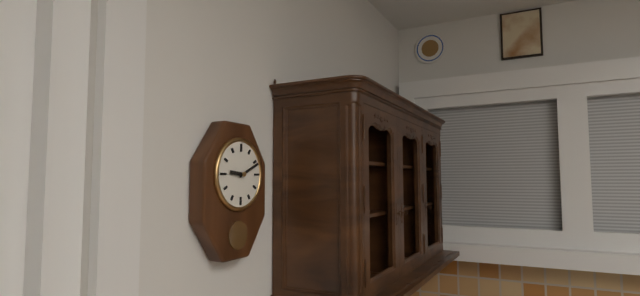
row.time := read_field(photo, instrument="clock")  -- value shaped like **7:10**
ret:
**9:11**
